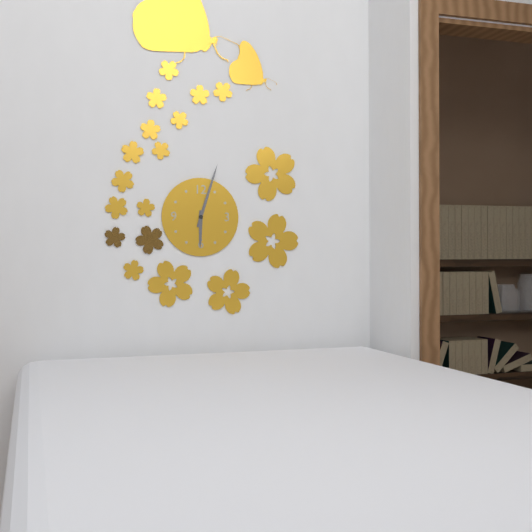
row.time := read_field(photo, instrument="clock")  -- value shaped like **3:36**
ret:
**6:03**
